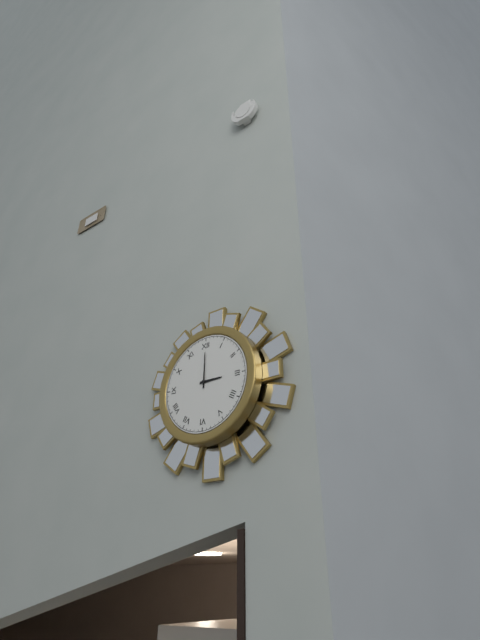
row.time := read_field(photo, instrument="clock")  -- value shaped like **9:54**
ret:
**3:00**
